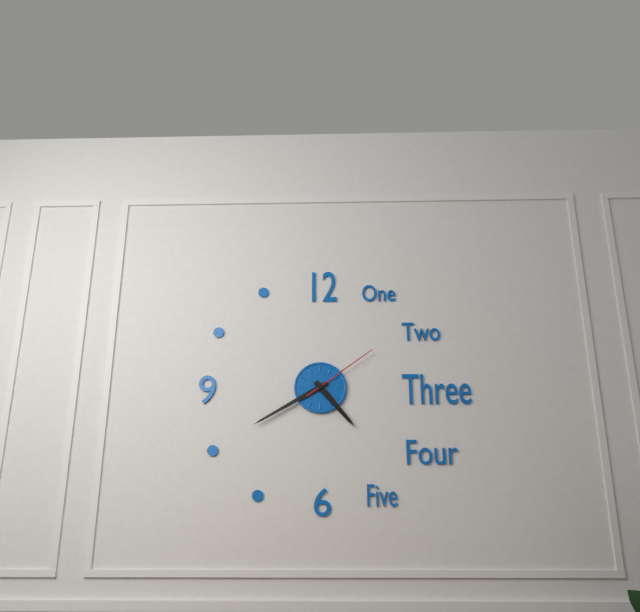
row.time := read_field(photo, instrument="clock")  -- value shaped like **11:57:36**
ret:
**4:40:09**
